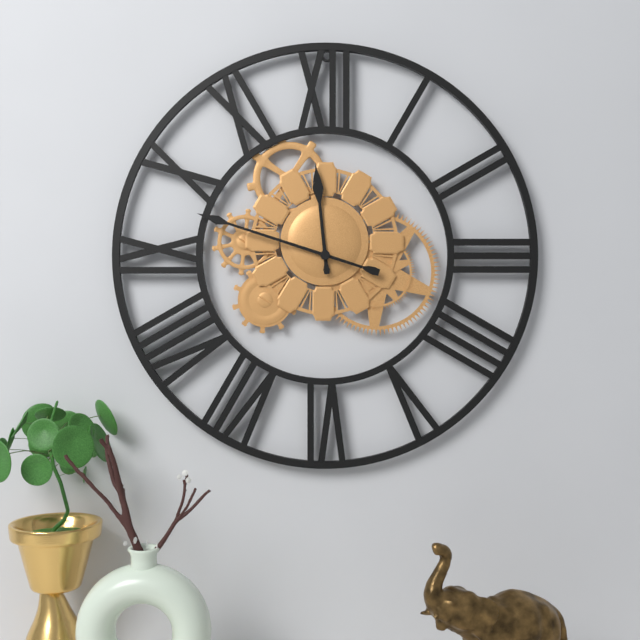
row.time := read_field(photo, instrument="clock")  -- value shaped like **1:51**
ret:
**11:48**
